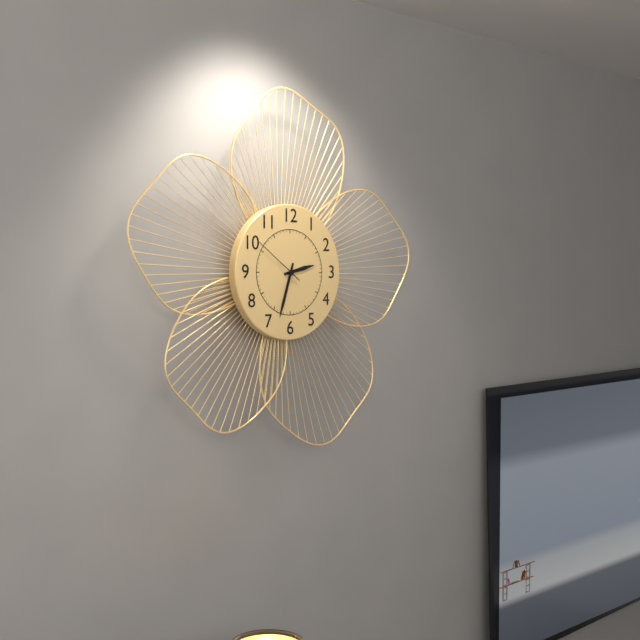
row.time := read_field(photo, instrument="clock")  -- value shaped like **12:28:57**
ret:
**2:33:51**
